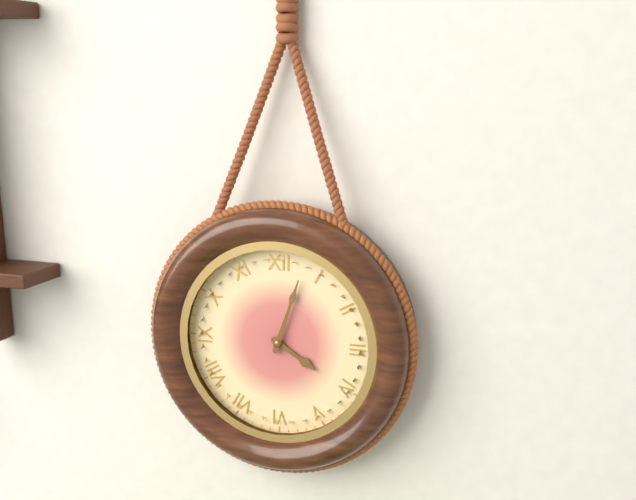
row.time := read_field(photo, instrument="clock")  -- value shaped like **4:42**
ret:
**4:03**
